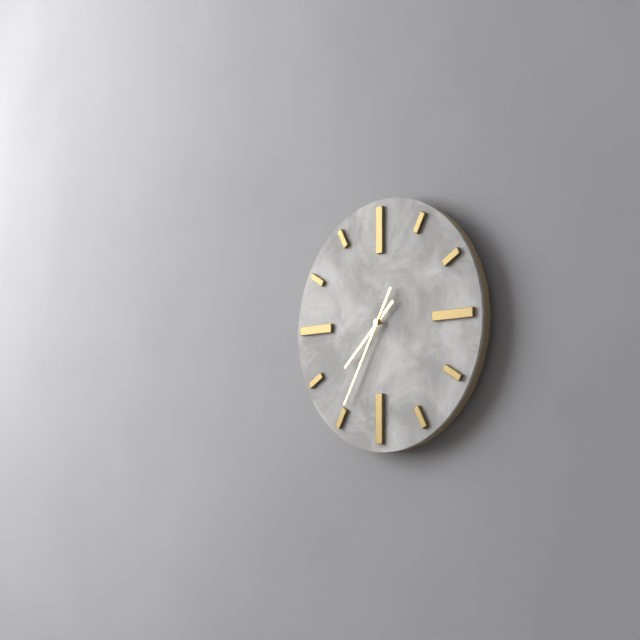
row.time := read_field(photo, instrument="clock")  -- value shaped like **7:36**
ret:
**7:35**
